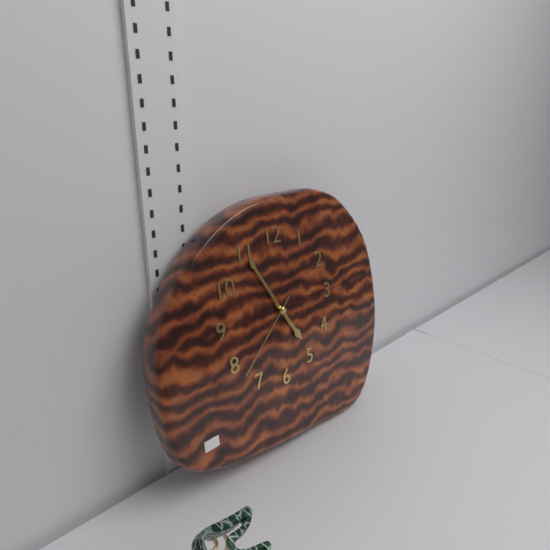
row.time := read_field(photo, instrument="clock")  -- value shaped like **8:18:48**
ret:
**4:55:38**
